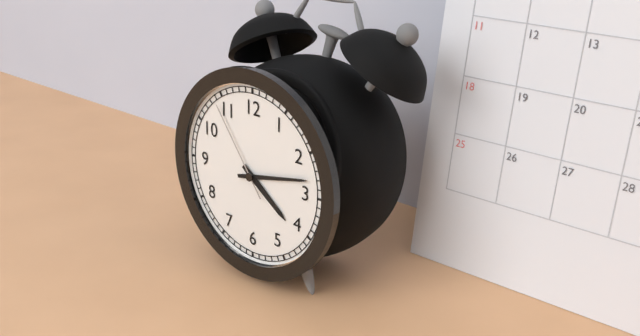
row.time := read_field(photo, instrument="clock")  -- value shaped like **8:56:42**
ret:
**4:13:54**
